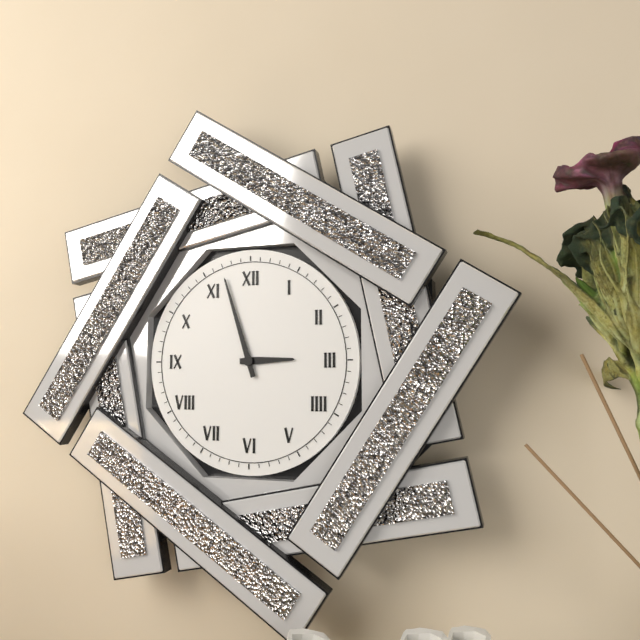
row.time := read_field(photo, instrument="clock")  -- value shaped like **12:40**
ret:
**2:57**
